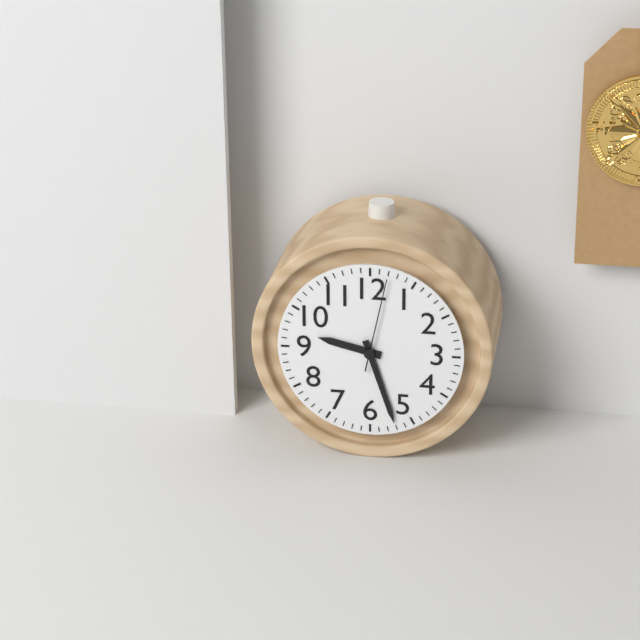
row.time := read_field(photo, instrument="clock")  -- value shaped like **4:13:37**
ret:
**9:27:02**
